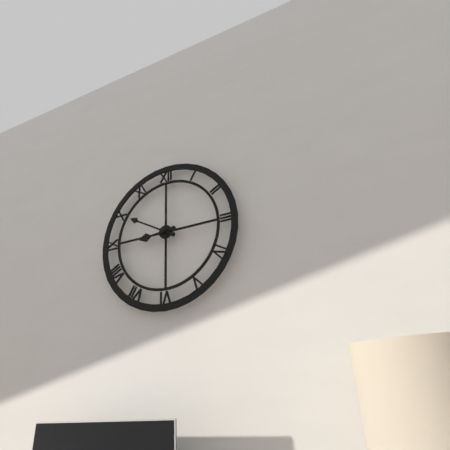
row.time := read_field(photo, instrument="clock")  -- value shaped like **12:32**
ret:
**8:50**
